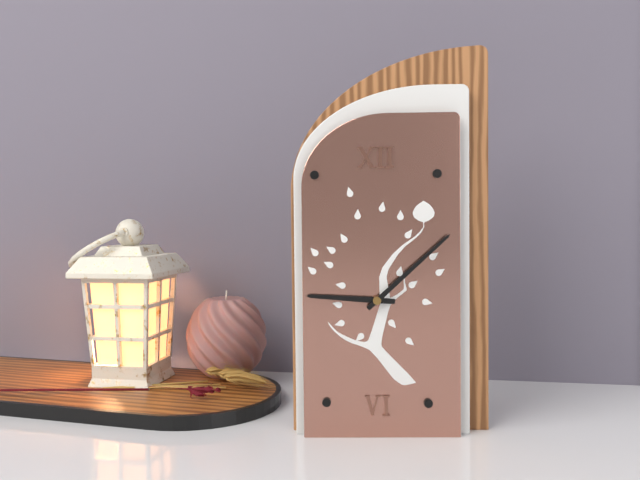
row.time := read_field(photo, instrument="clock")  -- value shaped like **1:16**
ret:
**9:08**
